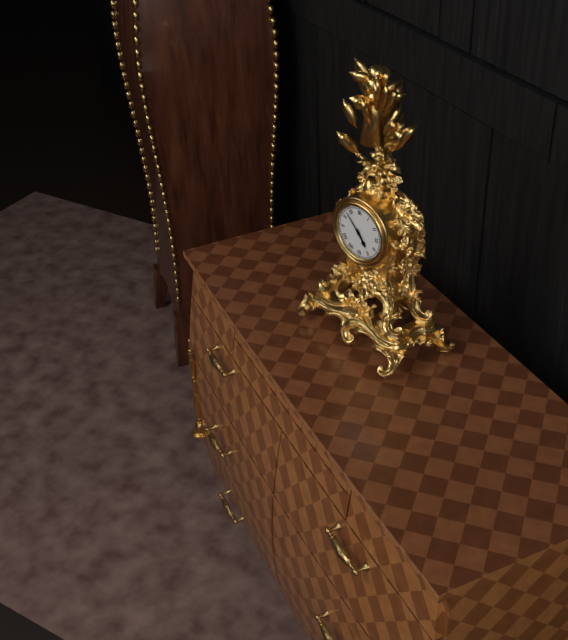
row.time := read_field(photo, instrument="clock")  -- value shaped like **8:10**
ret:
**4:53**
